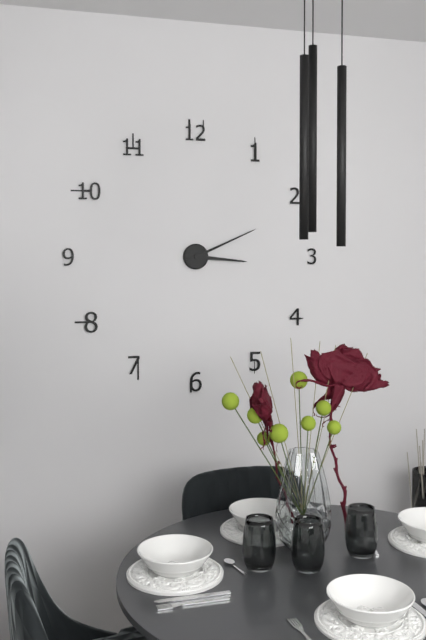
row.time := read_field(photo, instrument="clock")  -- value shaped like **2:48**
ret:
**3:11**
